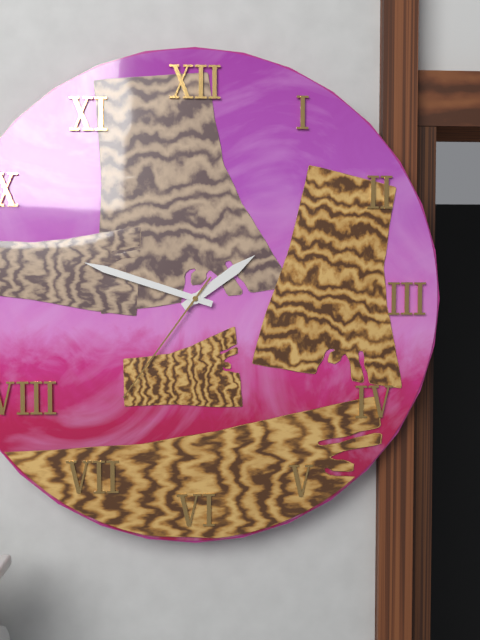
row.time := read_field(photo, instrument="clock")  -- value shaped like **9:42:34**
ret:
**1:48:36**
